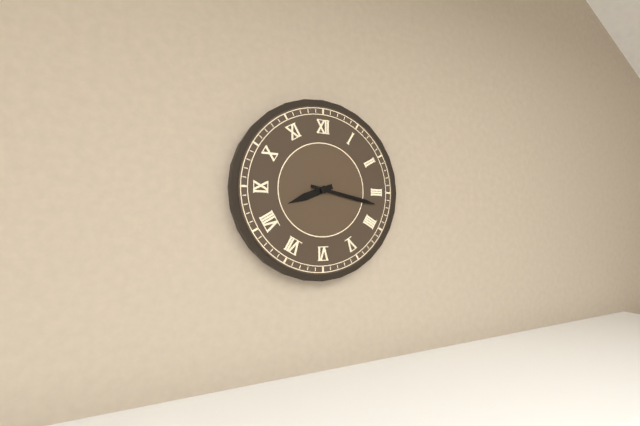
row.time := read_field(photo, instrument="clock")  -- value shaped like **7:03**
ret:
**8:17**
